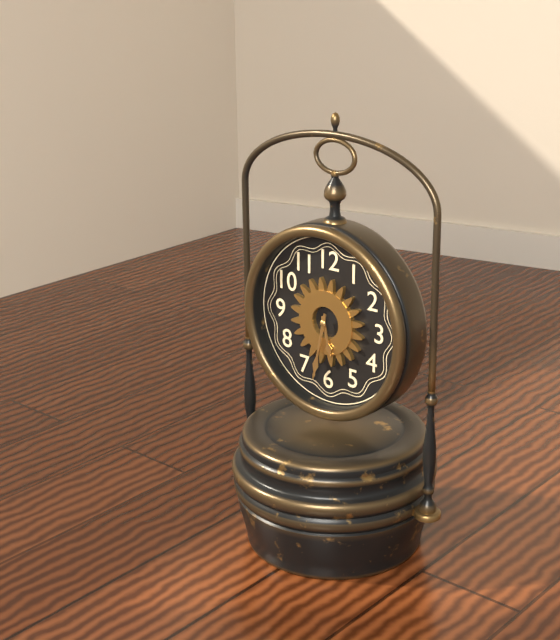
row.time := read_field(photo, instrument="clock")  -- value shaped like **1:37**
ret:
**5:32**
